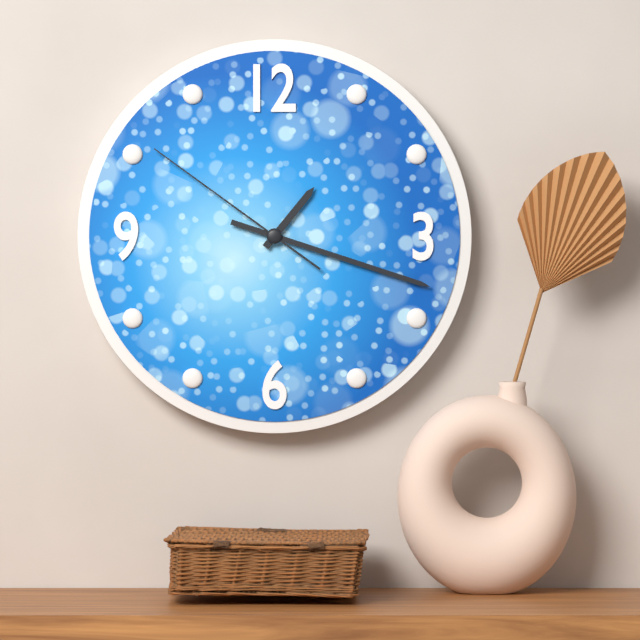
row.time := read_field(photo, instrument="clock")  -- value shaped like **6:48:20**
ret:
**1:18:51**
